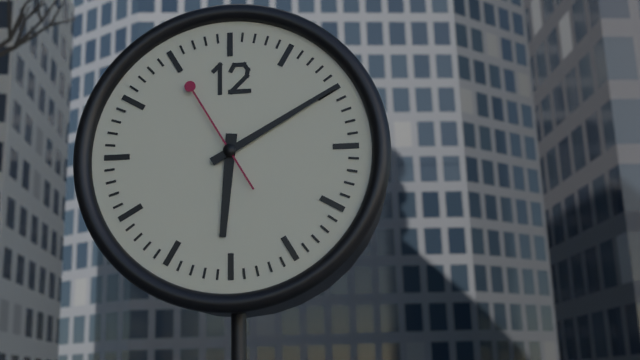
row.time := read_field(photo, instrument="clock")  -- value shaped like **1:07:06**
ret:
**6:10:55**
